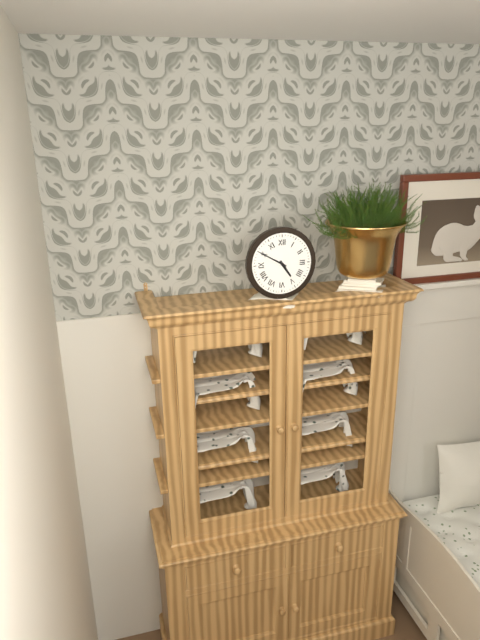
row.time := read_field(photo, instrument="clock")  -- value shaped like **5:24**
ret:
**4:50**
